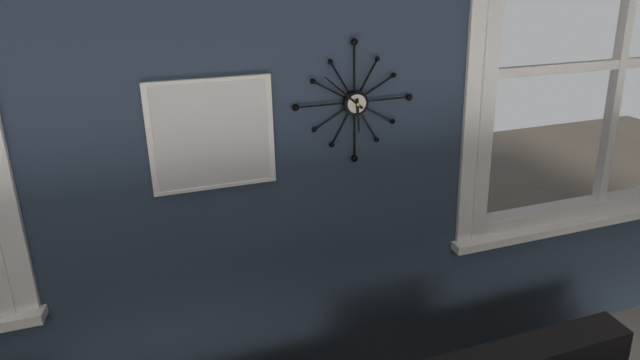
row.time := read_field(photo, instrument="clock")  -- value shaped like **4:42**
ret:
**5:52**
